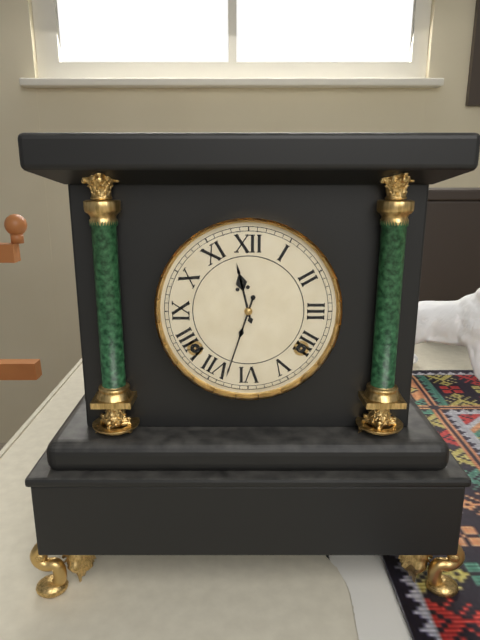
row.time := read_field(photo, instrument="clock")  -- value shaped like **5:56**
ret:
**11:33**
